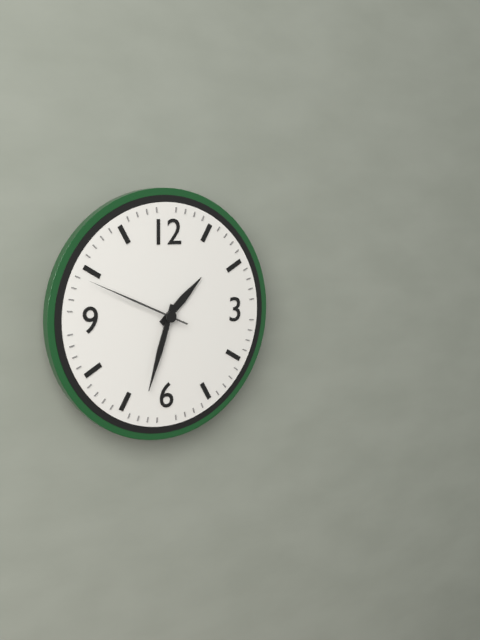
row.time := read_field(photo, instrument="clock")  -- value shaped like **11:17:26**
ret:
**1:33:49**
